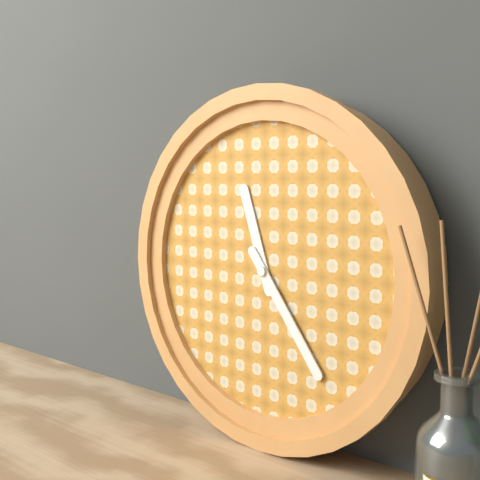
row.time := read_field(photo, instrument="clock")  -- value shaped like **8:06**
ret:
**11:24**
